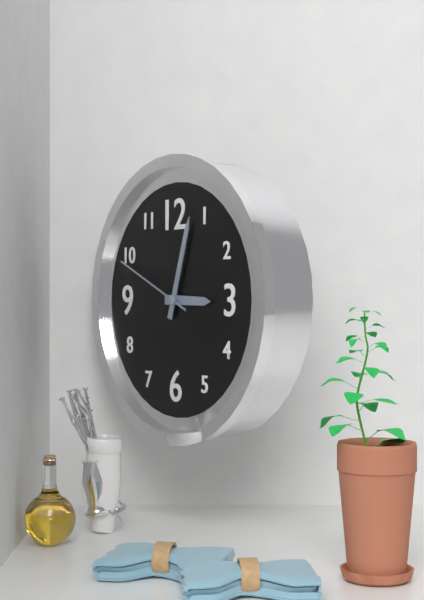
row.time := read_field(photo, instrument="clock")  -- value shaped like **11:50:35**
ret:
**3:03:49**
